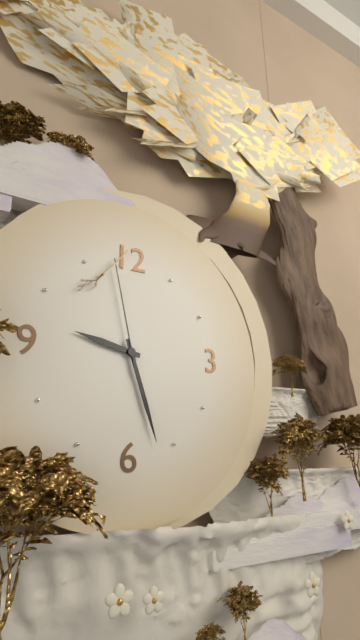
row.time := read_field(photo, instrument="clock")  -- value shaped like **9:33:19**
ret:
**9:27:58**
